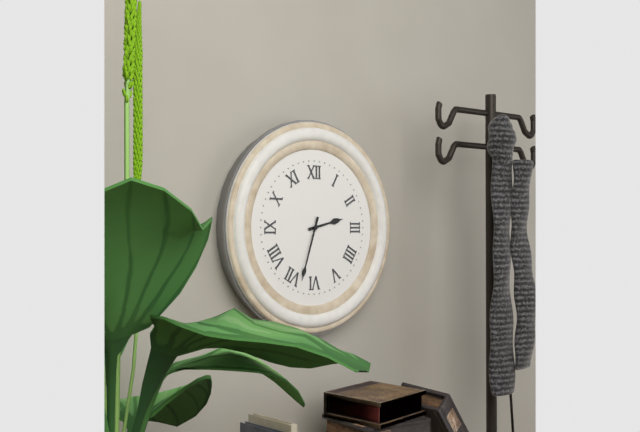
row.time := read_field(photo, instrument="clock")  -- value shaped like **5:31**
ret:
**2:33**
